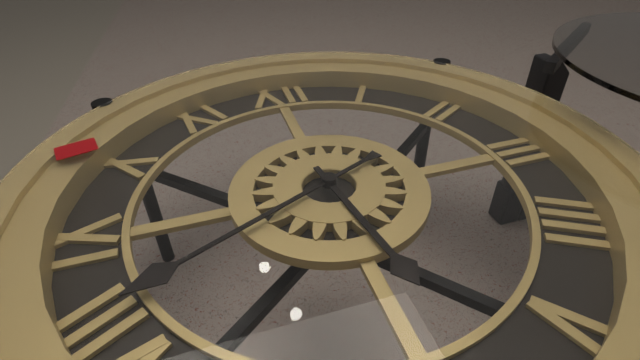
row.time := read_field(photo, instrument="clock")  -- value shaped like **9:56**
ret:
**5:41**
